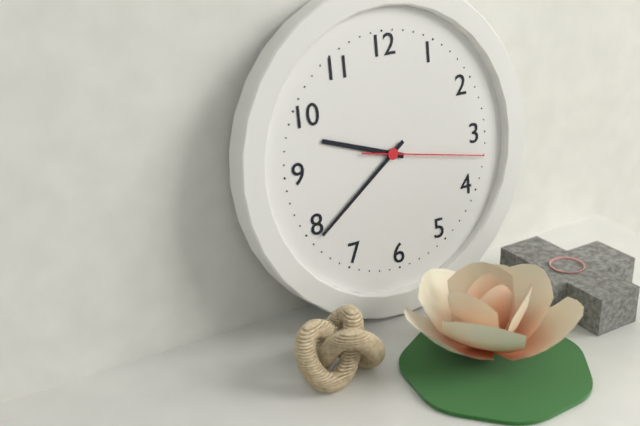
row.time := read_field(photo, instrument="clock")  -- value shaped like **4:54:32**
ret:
**9:39:17**
